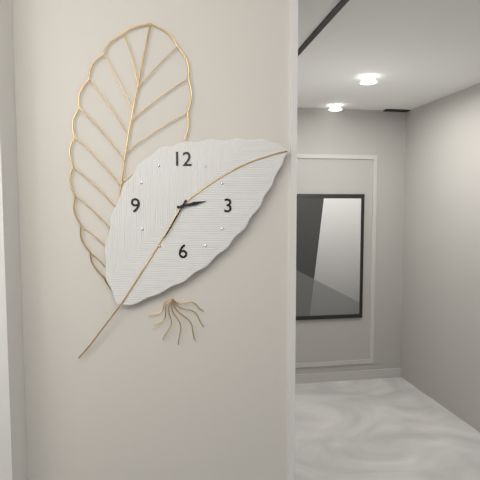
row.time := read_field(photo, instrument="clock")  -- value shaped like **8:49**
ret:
**2:35**
